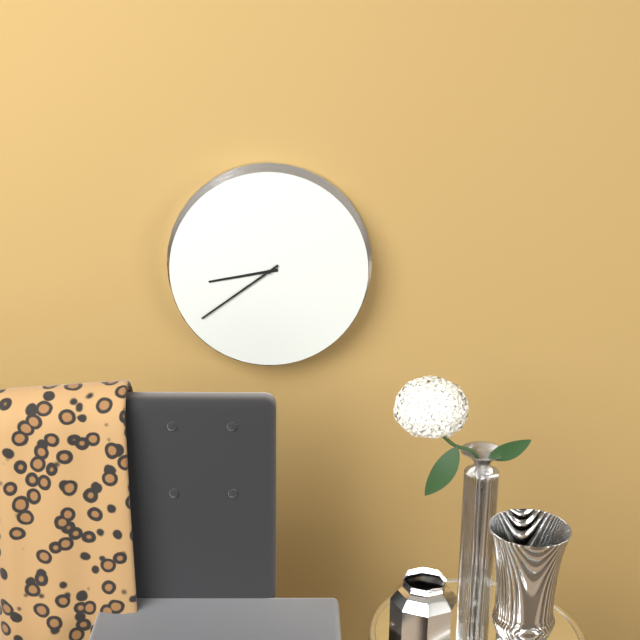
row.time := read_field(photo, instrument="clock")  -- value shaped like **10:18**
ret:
**8:39**
